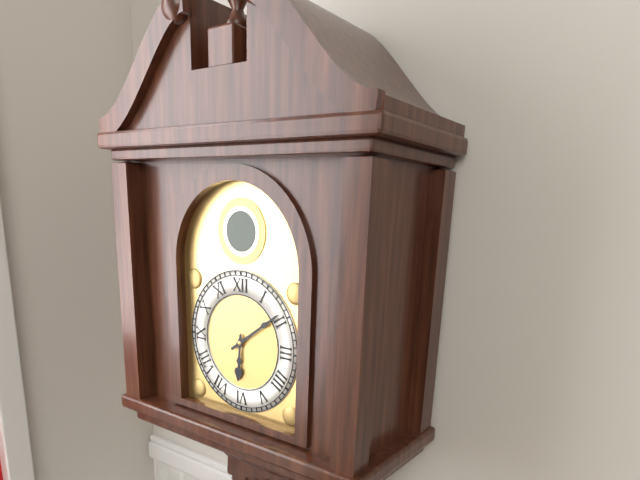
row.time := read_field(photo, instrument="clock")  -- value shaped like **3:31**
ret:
**6:09**
